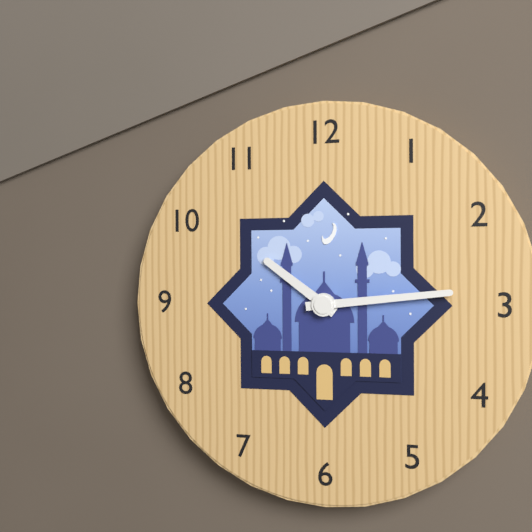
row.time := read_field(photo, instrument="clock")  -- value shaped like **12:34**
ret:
**10:14**
